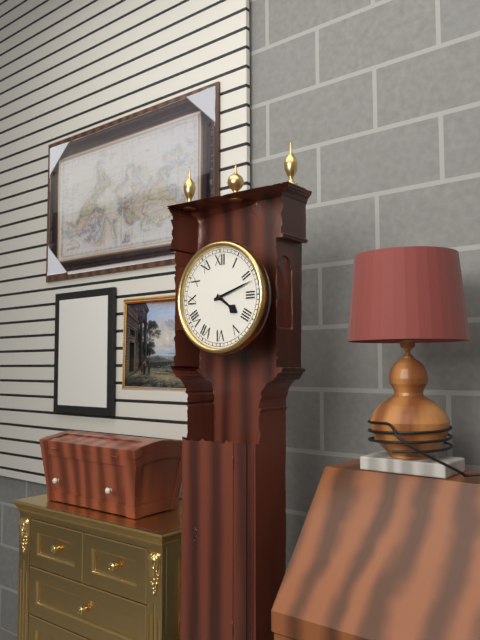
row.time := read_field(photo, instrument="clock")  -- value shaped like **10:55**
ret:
**4:12**
